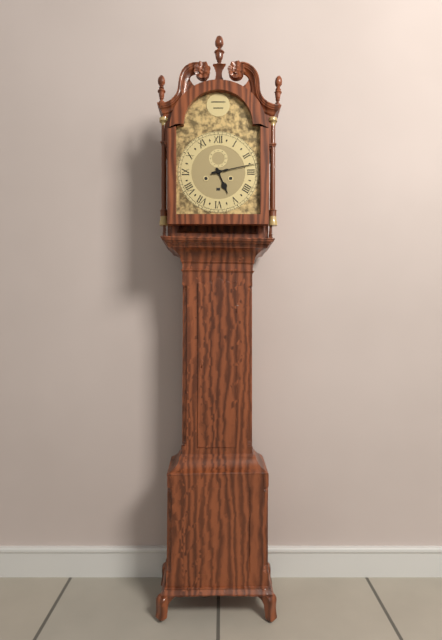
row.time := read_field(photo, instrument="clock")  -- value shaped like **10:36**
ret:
**5:13**
